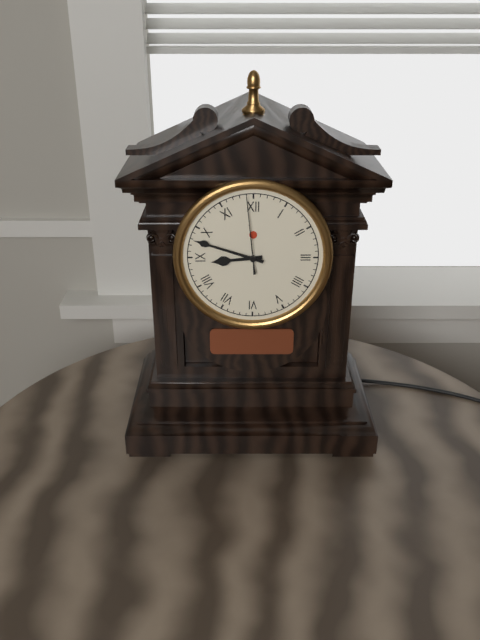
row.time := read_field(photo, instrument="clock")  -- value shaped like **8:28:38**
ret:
**8:48:59**
